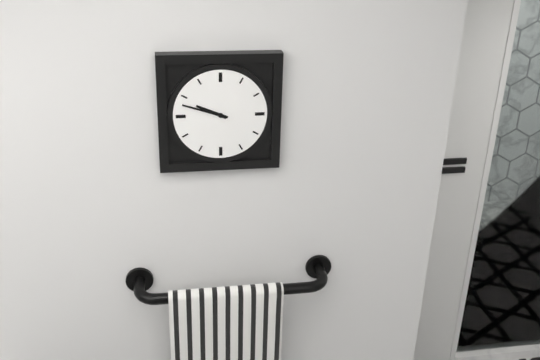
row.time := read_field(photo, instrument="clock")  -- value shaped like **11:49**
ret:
**9:48**
